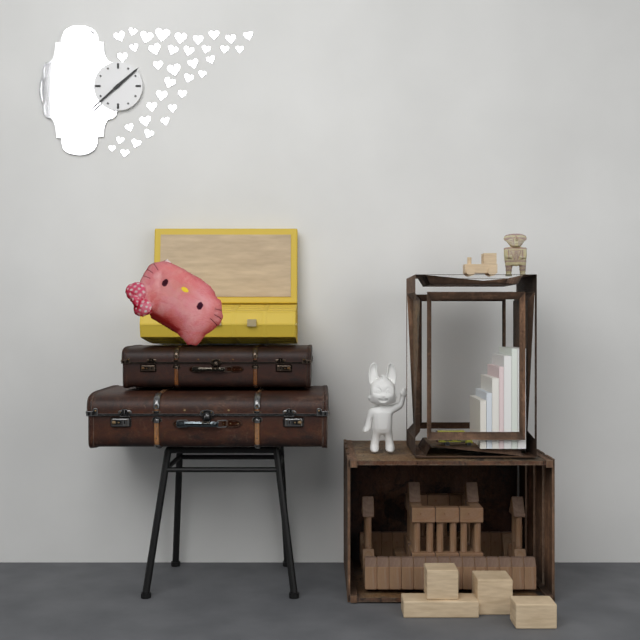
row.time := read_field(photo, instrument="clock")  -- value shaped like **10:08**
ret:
**1:38**
